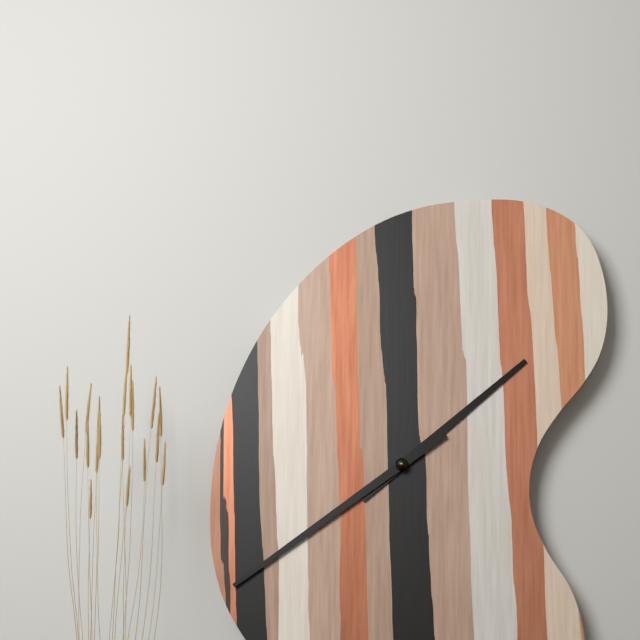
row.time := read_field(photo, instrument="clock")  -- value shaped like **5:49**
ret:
**1:39**
